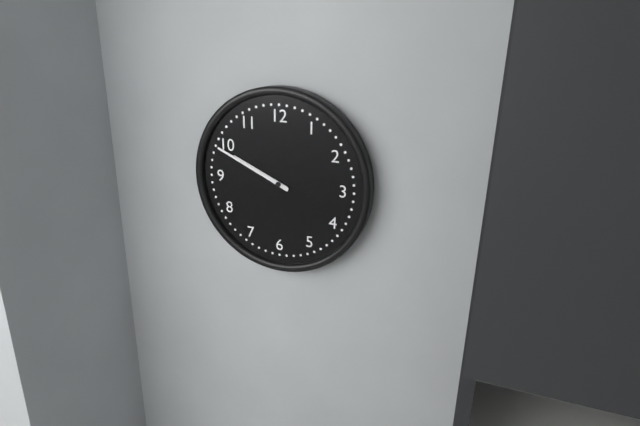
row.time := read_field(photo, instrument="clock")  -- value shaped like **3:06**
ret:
**9:49**
